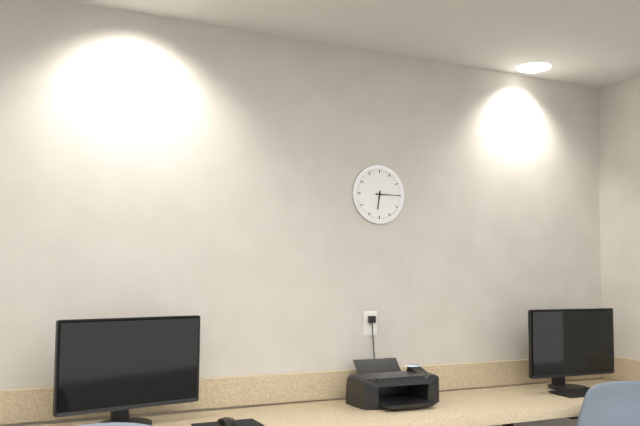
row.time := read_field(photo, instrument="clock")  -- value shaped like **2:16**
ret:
**6:15**
